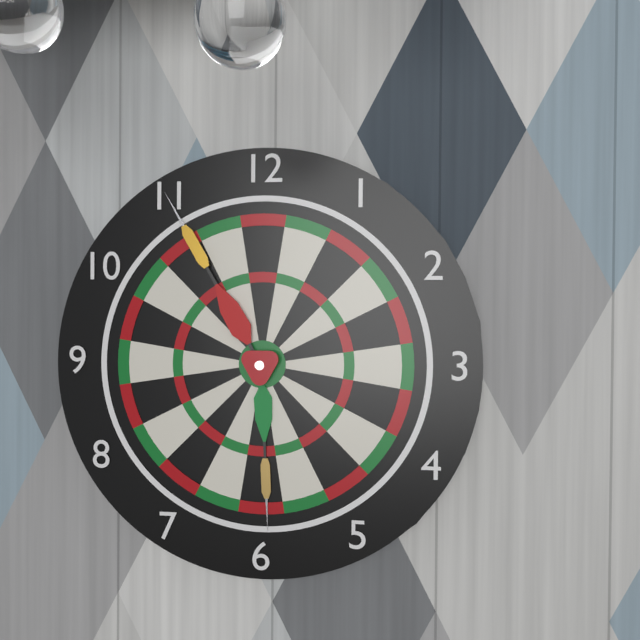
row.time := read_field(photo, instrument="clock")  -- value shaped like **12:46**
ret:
**5:55**
